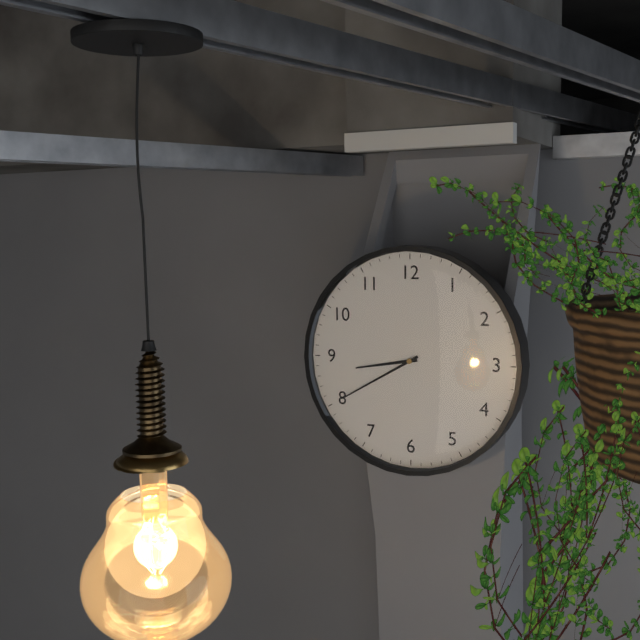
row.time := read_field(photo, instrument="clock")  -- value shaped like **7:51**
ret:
**8:40**
